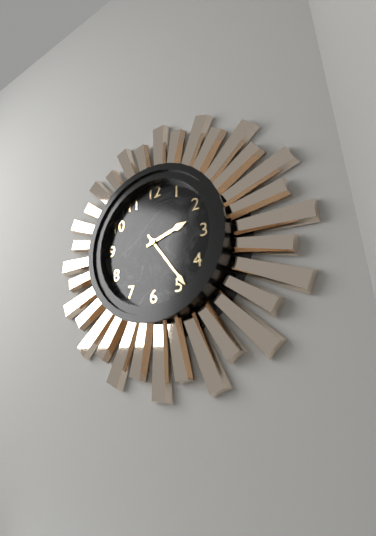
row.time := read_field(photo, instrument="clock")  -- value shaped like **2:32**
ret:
**2:24**
